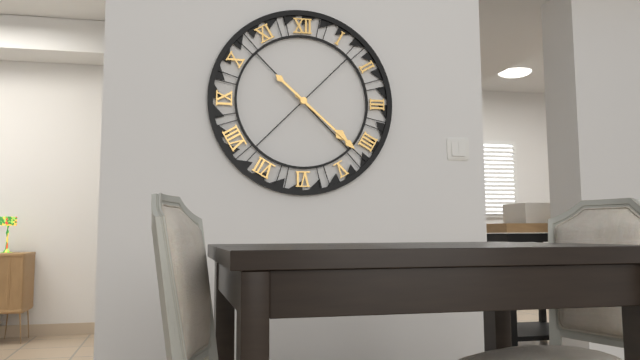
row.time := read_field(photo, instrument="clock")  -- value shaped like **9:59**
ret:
**4:22**
